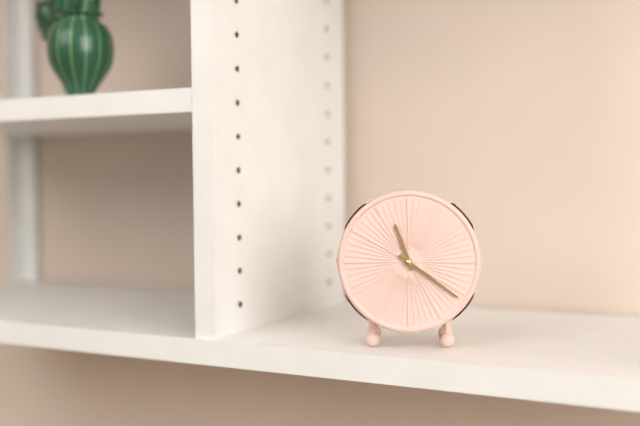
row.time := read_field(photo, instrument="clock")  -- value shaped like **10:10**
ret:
**11:21**
